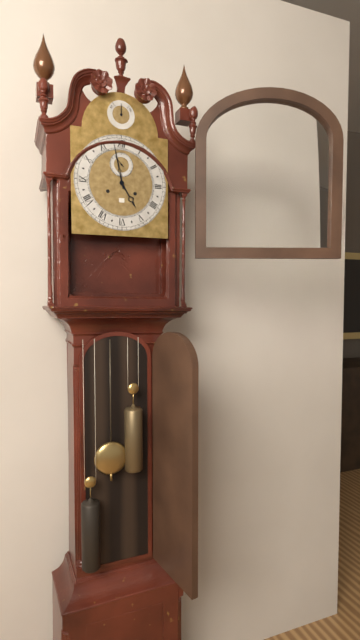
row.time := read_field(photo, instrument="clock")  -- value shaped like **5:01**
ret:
**4:58**
